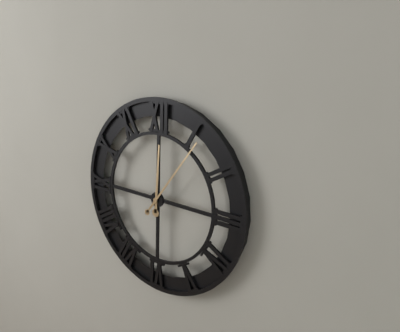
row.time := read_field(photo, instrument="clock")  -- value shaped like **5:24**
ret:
**12:06**
